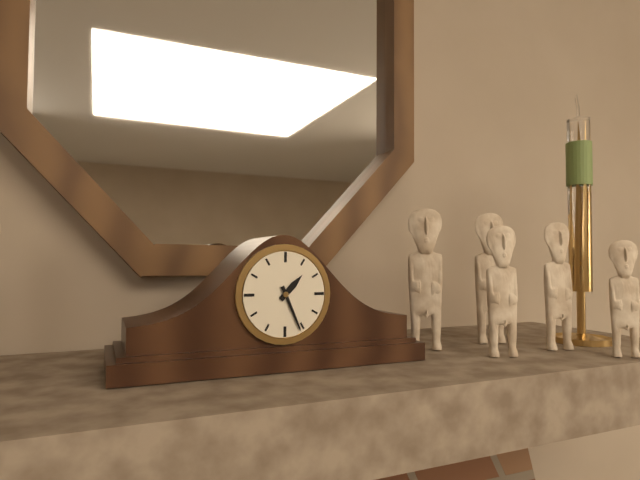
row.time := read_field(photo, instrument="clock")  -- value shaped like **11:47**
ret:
**1:26**
